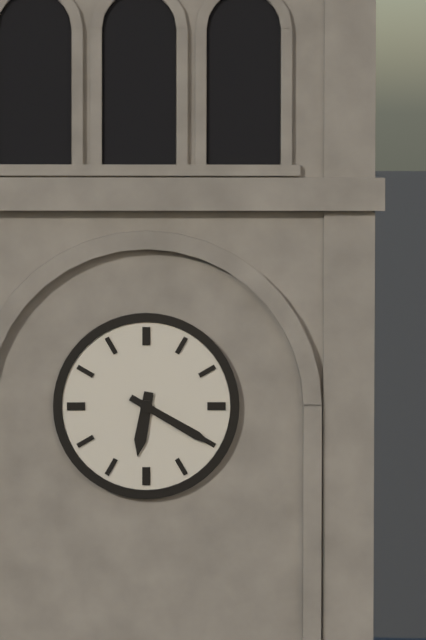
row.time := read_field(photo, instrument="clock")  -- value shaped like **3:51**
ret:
**6:20**
